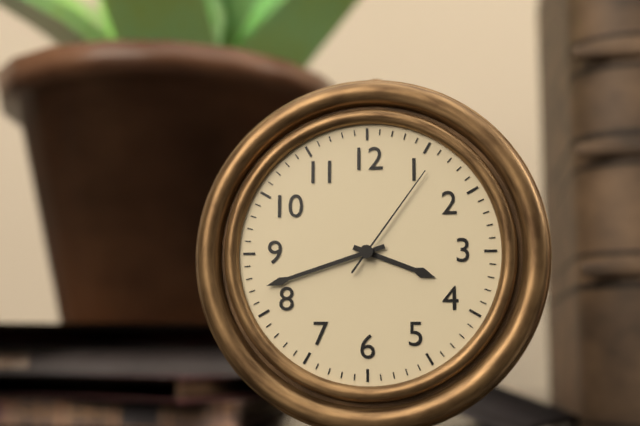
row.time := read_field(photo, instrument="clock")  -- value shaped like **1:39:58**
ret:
**3:42:06**
